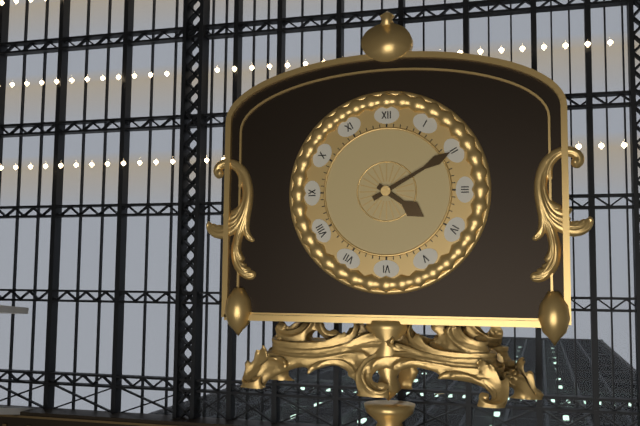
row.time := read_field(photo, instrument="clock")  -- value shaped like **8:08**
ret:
**4:10**
